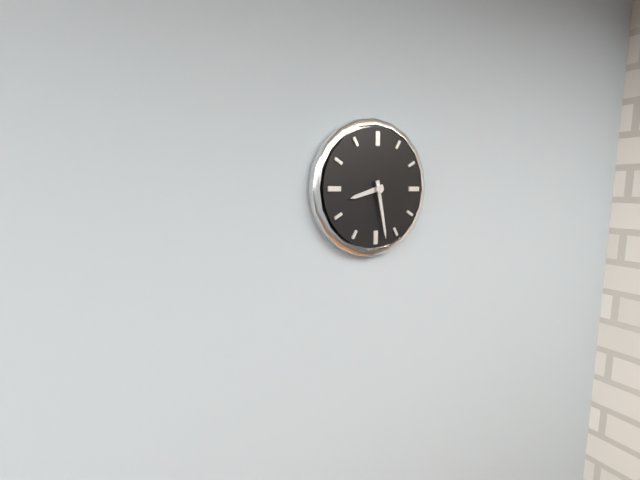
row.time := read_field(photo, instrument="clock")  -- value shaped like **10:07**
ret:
**8:28**
